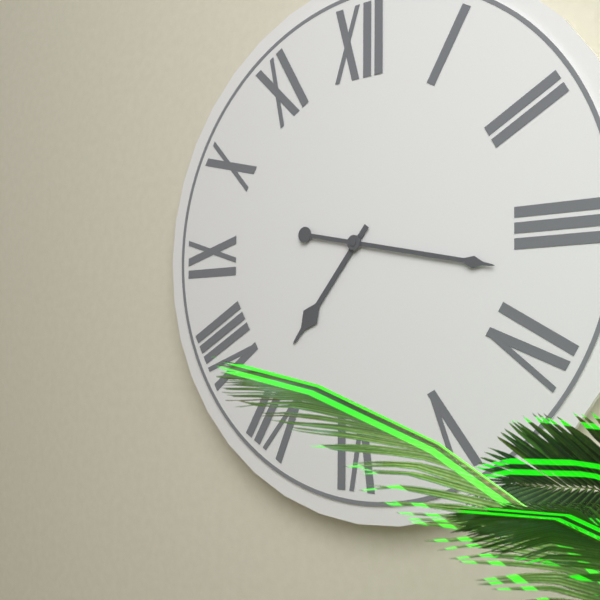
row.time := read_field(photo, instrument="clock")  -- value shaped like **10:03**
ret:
**7:17**
